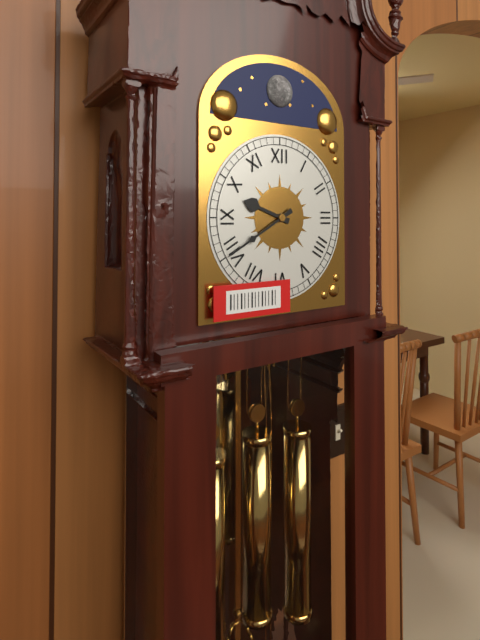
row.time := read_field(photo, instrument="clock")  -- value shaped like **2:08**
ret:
**9:40**
